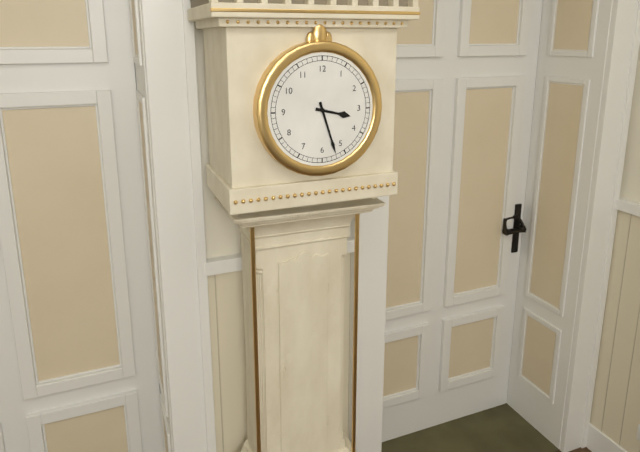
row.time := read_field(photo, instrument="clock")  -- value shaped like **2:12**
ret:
**3:27**
